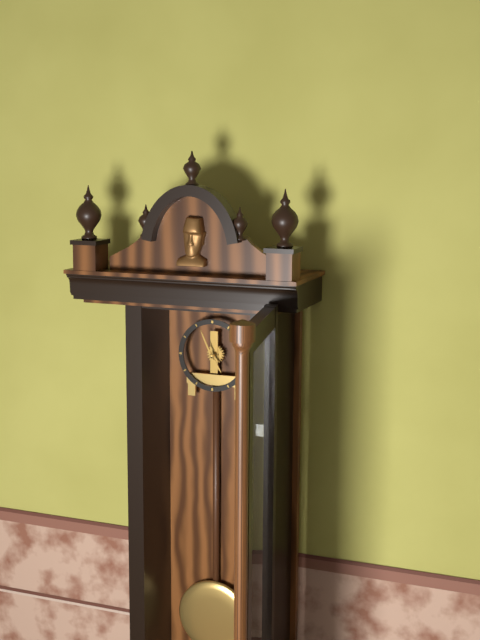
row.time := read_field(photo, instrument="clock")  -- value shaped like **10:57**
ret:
**4:56**
